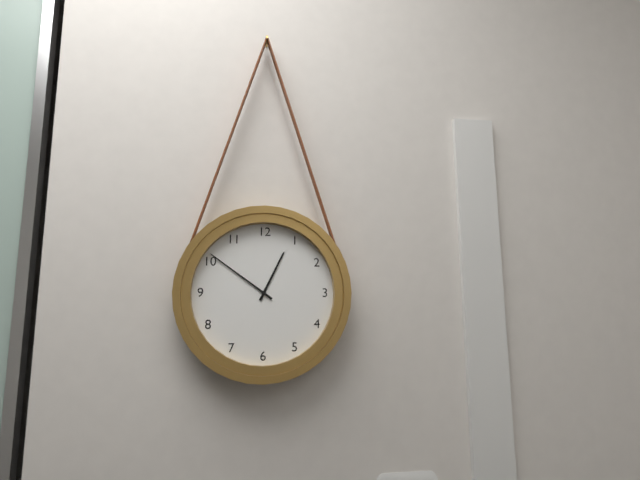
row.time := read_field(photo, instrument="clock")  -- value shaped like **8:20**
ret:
**12:51**
